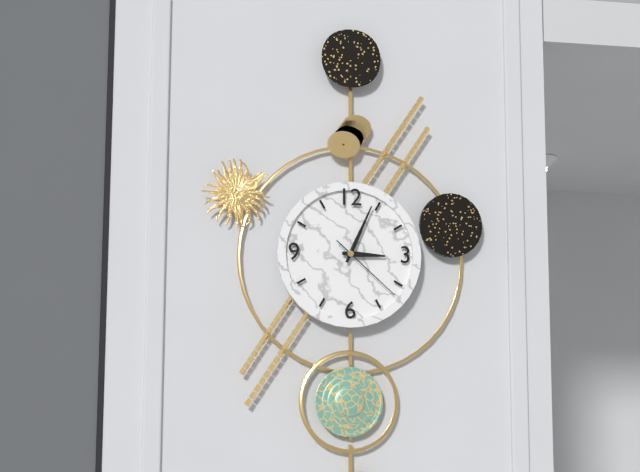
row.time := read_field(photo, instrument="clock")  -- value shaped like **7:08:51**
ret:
**3:04:22**
